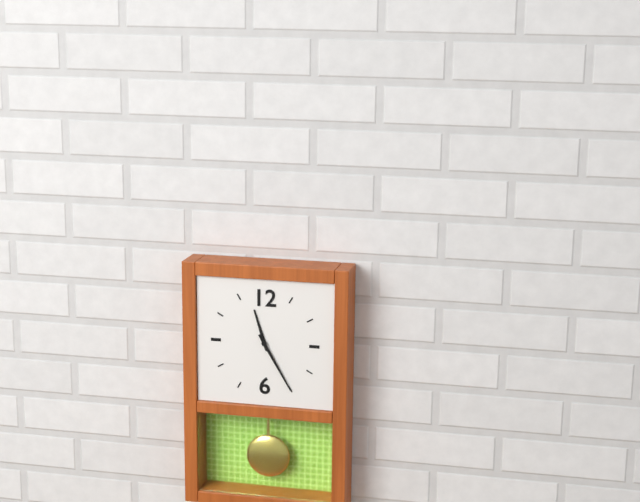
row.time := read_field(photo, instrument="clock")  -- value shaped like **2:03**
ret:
**11:25**
